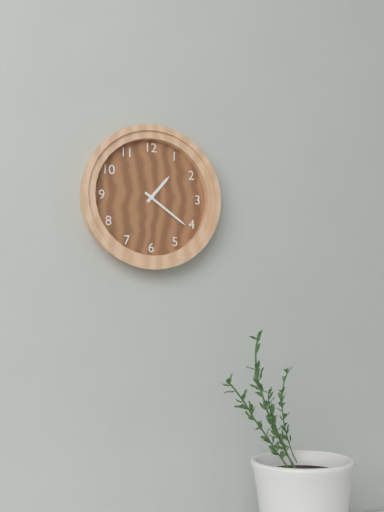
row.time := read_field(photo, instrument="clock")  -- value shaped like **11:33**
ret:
**1:21**
